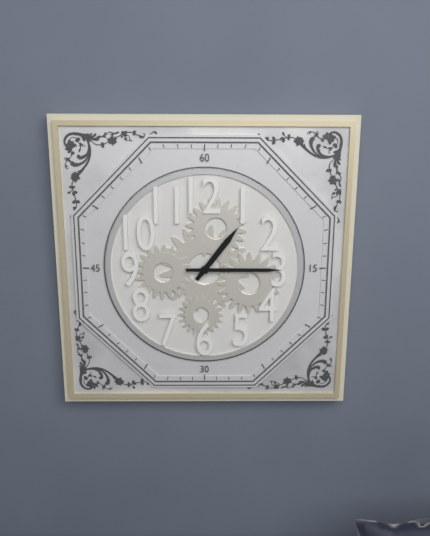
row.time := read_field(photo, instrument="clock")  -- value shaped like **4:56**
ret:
**1:15**
